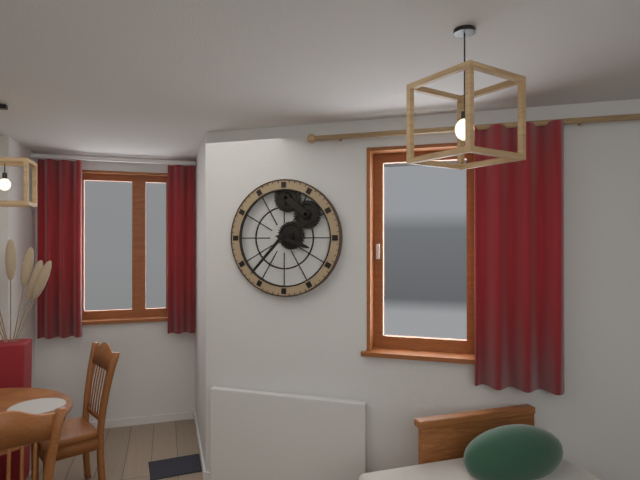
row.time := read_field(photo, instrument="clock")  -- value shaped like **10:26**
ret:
**3:37**
